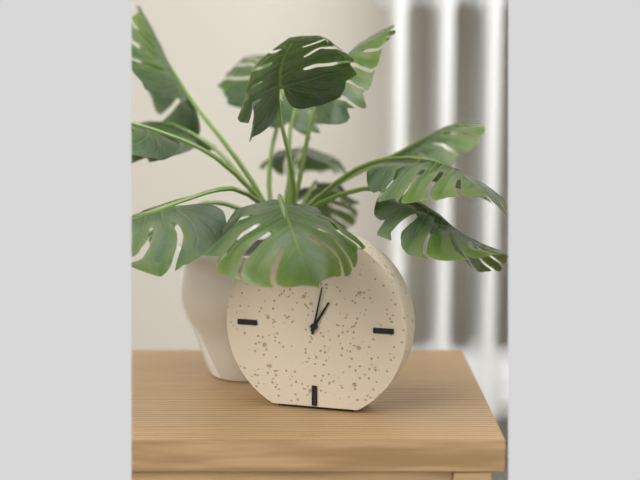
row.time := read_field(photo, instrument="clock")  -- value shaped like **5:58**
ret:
**1:02**
